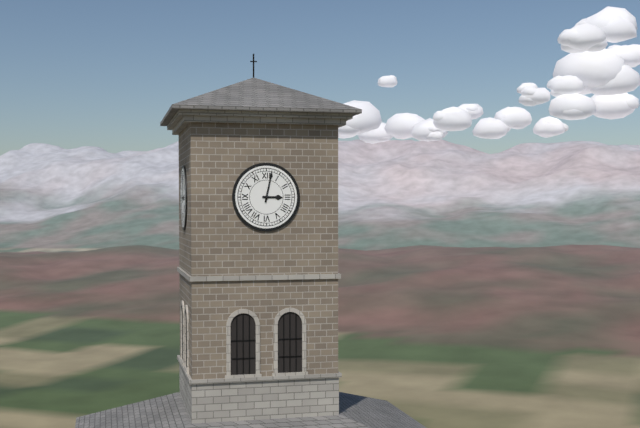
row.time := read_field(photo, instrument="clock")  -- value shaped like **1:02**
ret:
**3:02**
